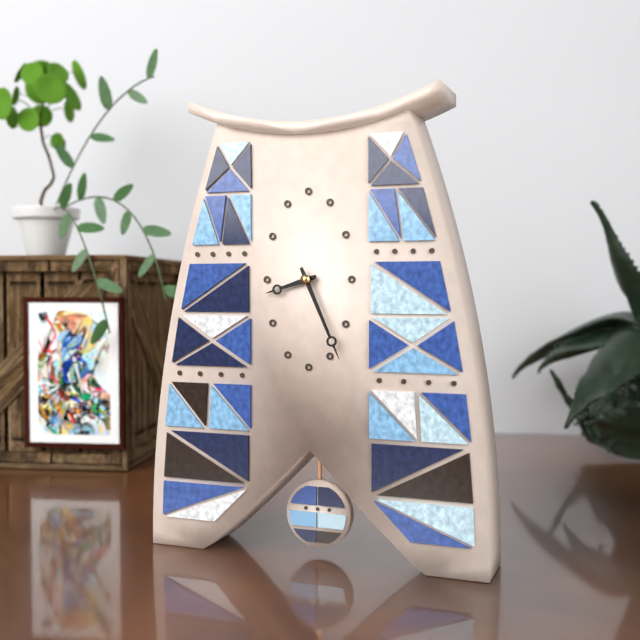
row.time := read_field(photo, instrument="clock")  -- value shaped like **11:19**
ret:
**8:26**
